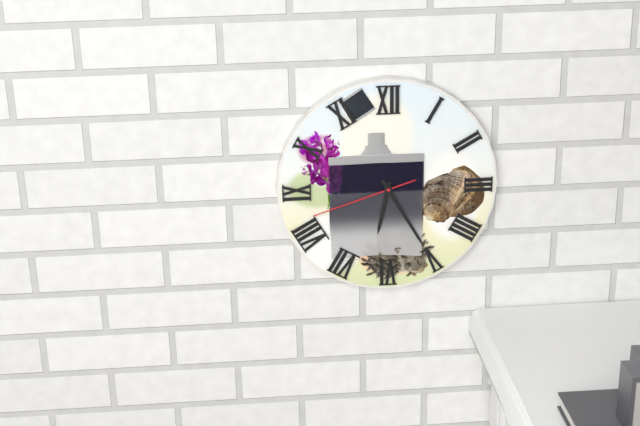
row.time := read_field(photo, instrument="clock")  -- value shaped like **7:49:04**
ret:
**6:25:42**
